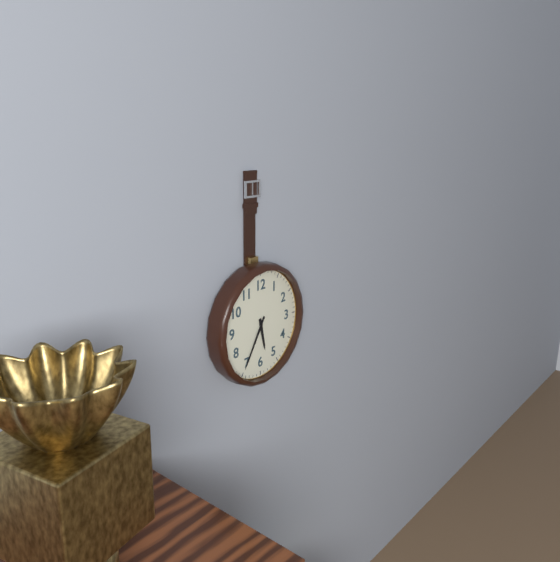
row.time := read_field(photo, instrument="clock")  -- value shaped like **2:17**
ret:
**5:35**
